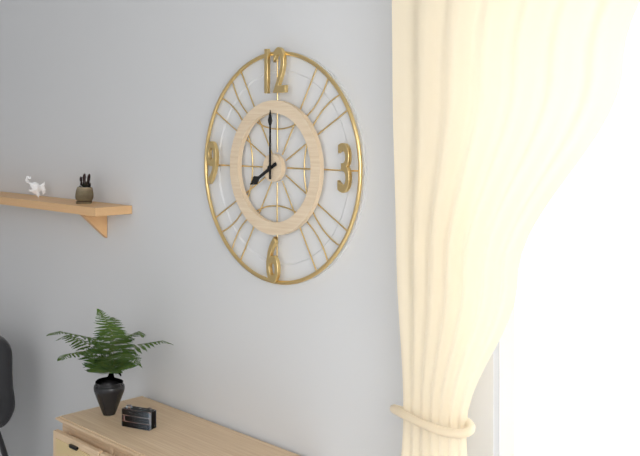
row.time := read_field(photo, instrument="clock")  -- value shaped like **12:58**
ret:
**8:00**
